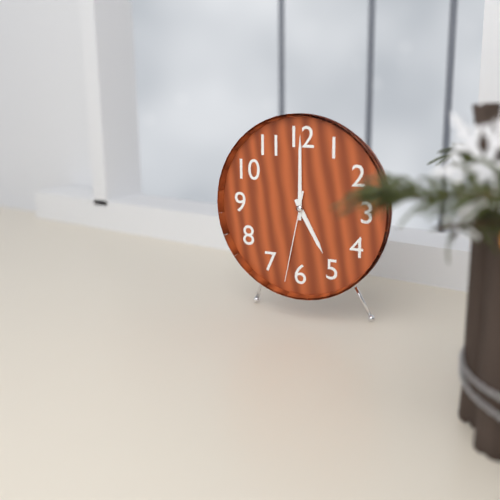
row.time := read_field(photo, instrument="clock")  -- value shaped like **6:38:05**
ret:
**5:00:32**
